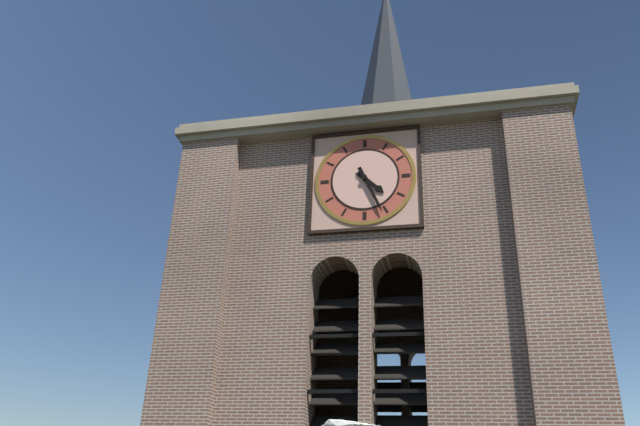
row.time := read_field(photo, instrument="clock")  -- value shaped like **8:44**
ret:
**4:26**
